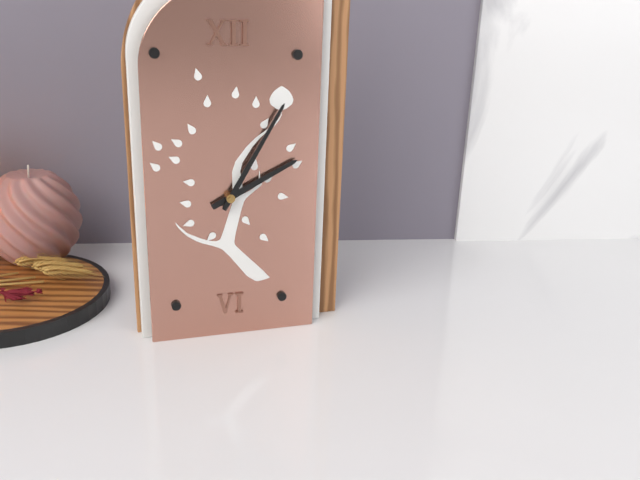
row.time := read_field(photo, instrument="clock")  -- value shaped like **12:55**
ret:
**2:05**
